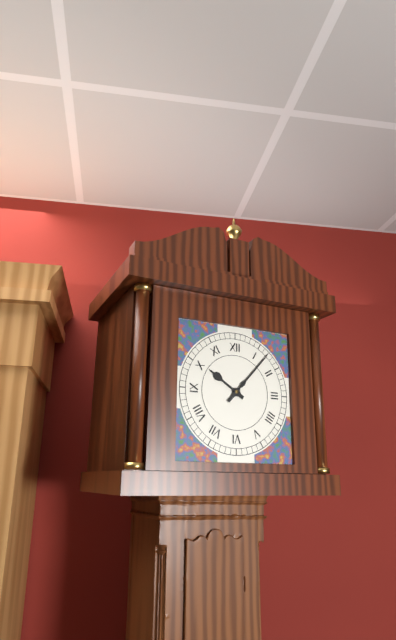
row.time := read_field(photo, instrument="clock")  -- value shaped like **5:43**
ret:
**10:07**
